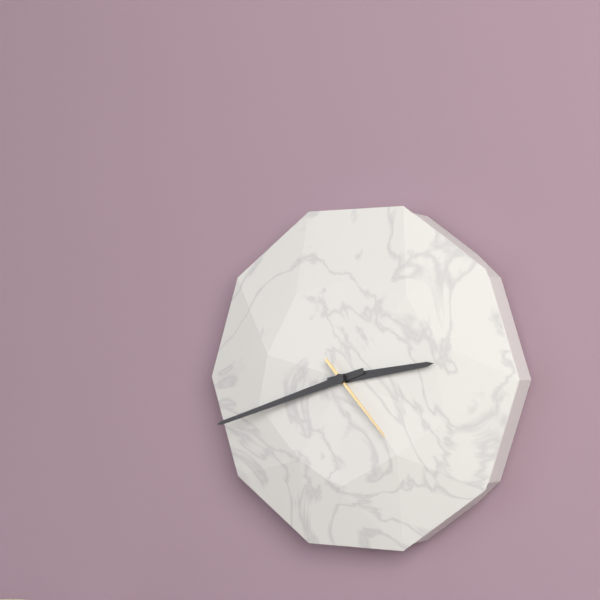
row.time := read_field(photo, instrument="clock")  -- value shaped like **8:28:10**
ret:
**2:42:23**
